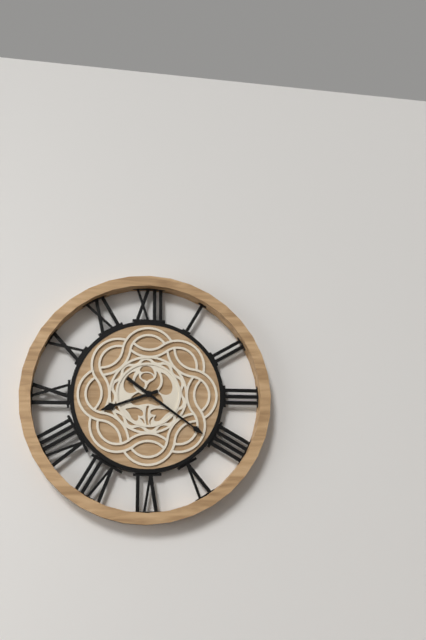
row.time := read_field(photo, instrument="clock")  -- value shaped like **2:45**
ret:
**8:21**
